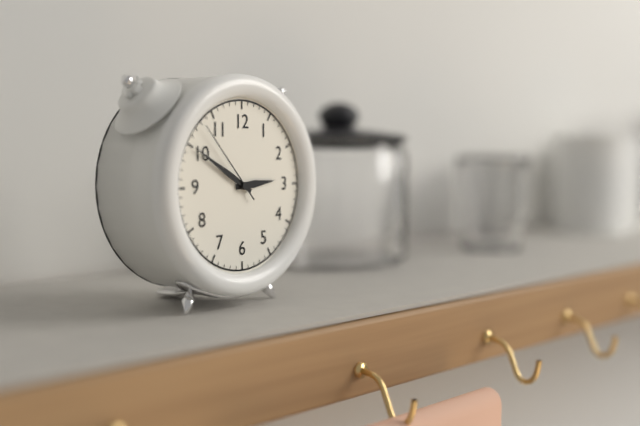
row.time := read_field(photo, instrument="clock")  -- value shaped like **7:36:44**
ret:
**2:50:53**
